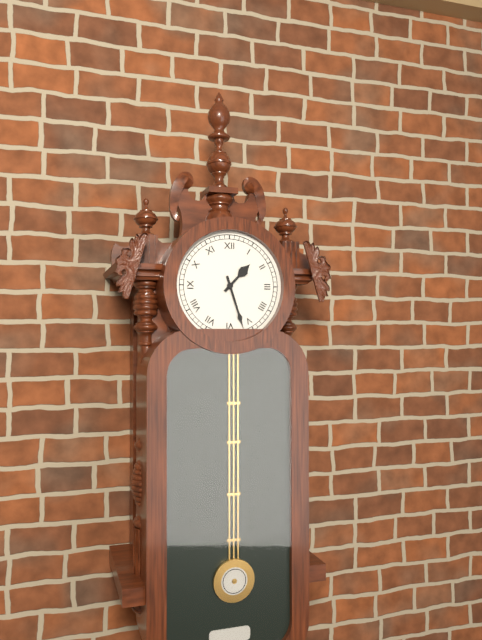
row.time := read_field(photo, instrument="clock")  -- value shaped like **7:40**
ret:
**1:27**
